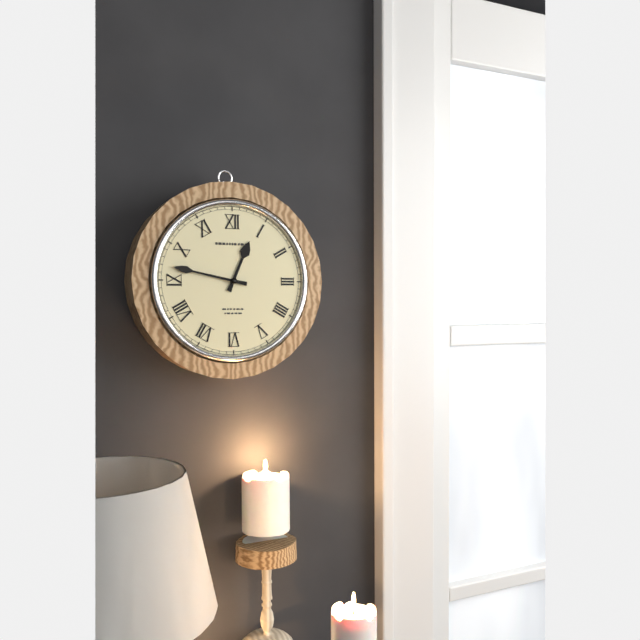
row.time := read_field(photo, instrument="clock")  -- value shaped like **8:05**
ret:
**12:47**
